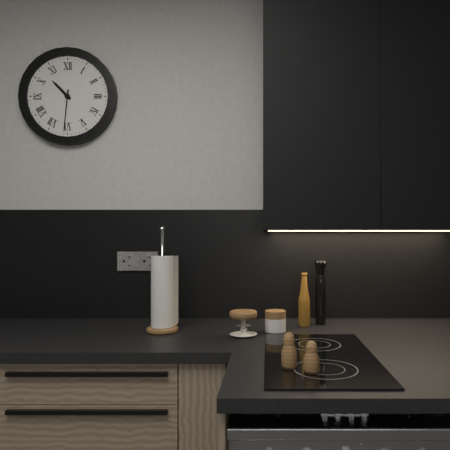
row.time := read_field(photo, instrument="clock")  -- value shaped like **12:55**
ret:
**10:31**
